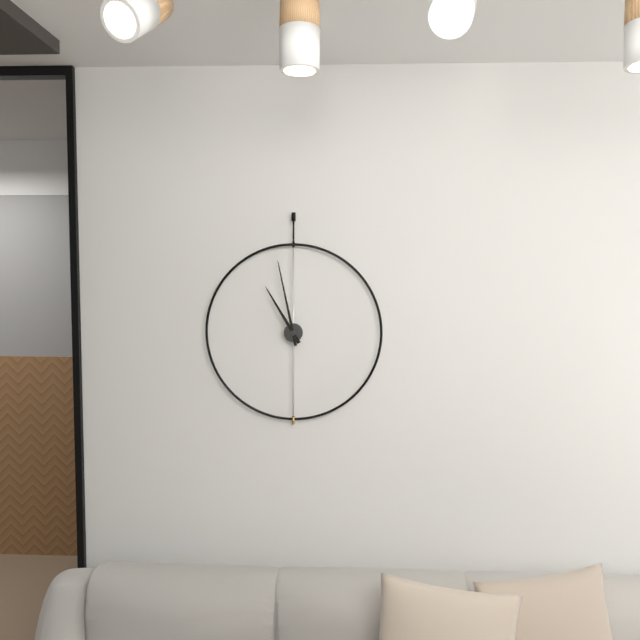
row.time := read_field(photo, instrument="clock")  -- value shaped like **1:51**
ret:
**10:58**
